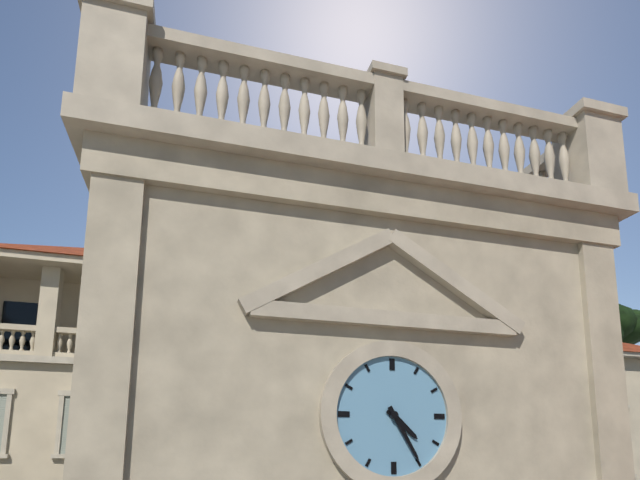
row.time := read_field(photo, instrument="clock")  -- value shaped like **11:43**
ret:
**4:25**
